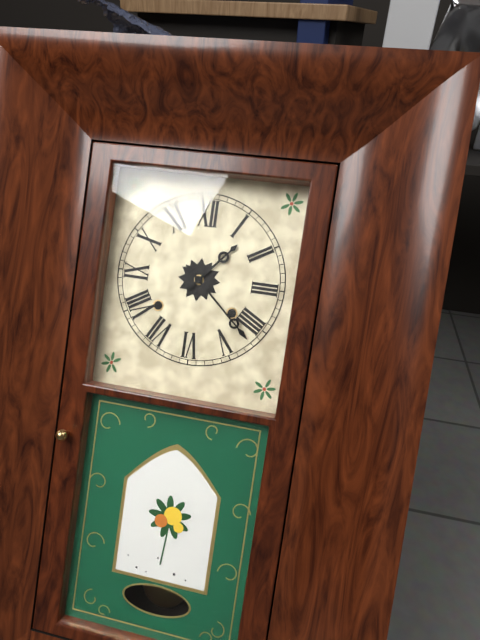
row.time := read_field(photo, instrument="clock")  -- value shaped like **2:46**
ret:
**1:22**
